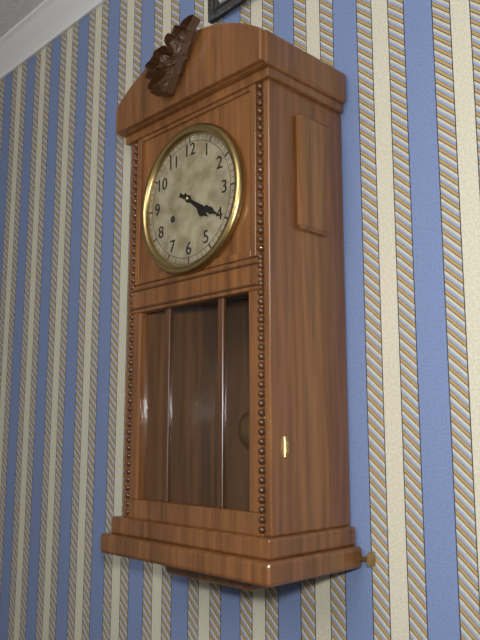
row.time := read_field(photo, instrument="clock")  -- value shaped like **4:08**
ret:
**4:20**
